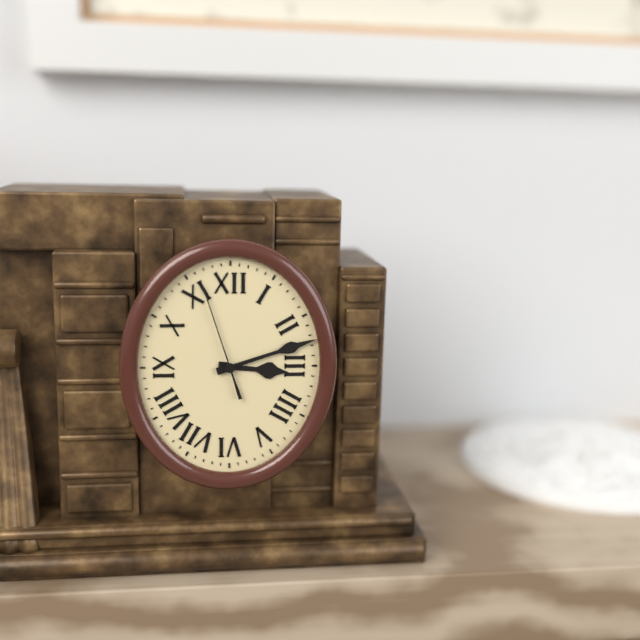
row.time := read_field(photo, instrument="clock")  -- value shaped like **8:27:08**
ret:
**3:12:57**
